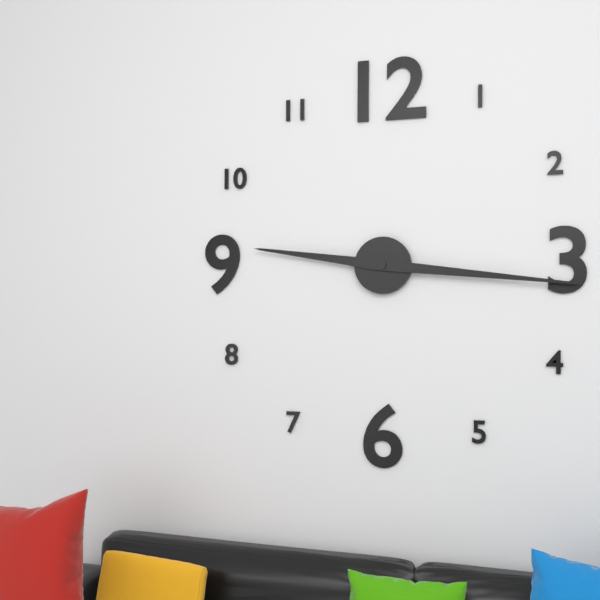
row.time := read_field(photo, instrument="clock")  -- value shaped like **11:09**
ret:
**9:16**
